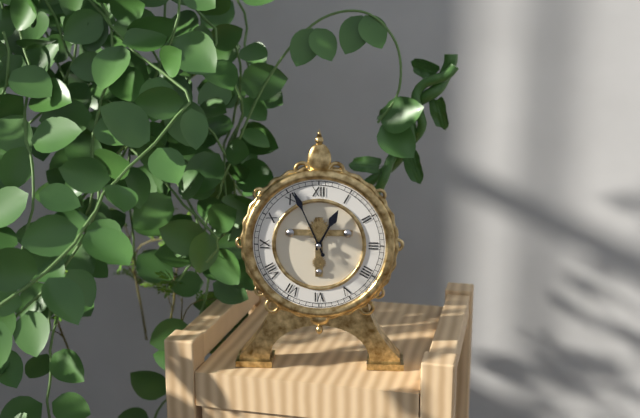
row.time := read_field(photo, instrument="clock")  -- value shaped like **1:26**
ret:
**12:56**
